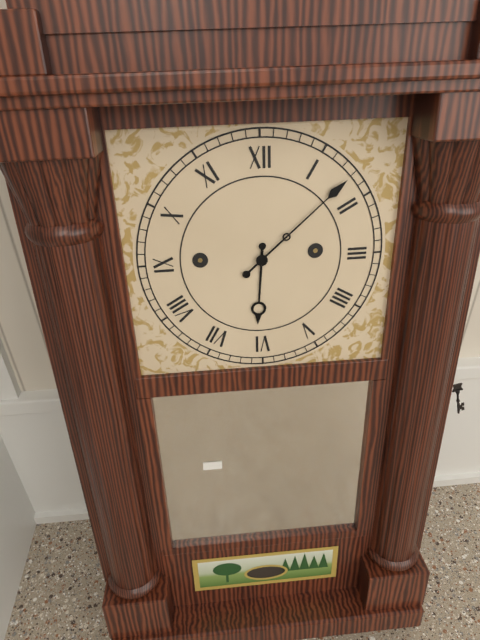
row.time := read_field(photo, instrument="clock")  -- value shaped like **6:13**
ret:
**6:08**
